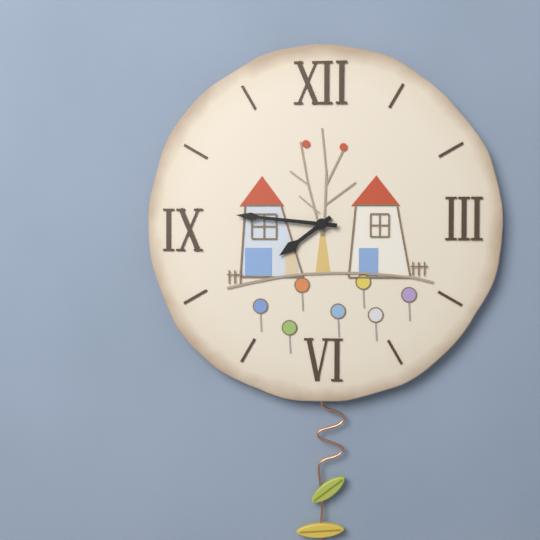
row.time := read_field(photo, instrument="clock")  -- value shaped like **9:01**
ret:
**7:46**
